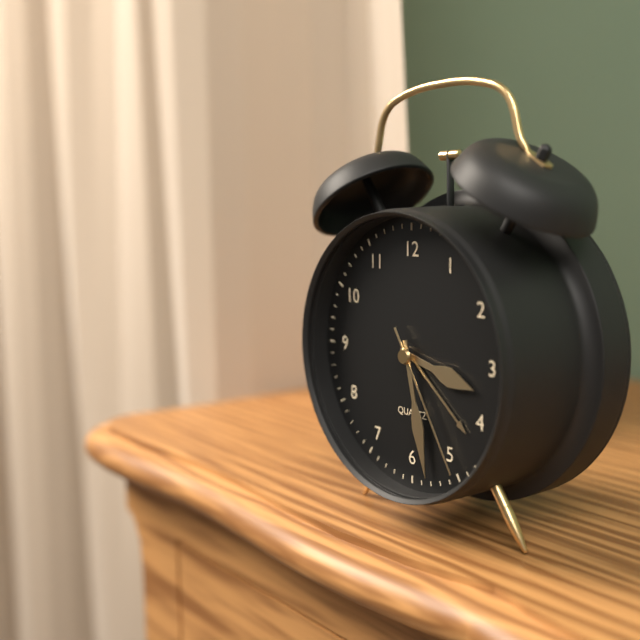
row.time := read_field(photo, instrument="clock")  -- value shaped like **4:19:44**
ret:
**3:28:25**
